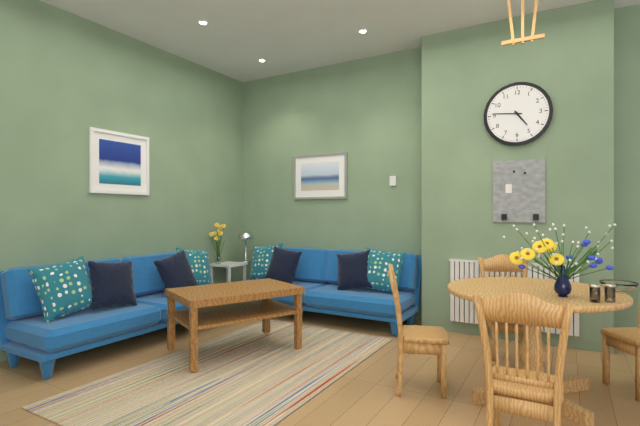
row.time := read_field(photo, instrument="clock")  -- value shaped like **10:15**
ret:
**4:46**
